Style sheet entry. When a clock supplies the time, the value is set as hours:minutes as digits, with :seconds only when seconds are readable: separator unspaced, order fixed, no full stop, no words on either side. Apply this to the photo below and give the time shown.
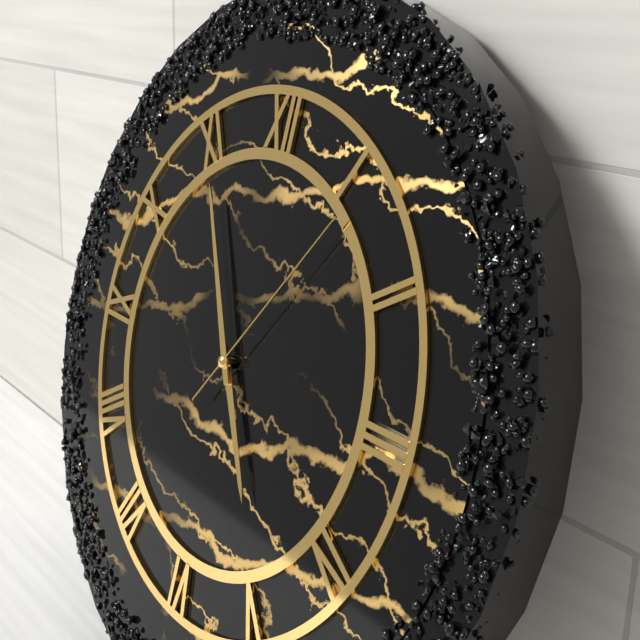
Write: 4:55:06
